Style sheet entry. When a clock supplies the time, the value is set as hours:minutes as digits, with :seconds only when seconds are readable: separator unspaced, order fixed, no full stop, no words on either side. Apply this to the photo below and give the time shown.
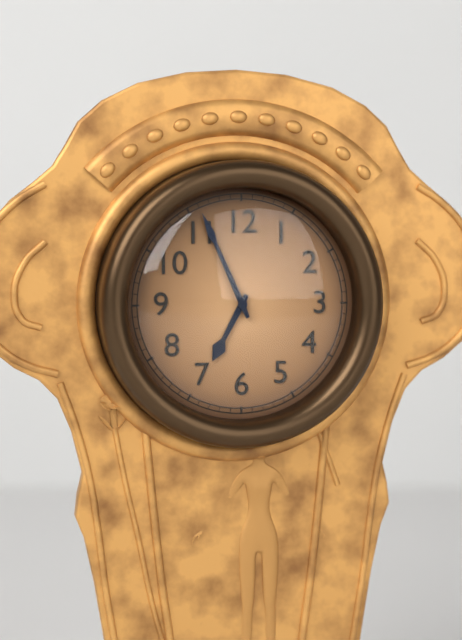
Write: 6:56
